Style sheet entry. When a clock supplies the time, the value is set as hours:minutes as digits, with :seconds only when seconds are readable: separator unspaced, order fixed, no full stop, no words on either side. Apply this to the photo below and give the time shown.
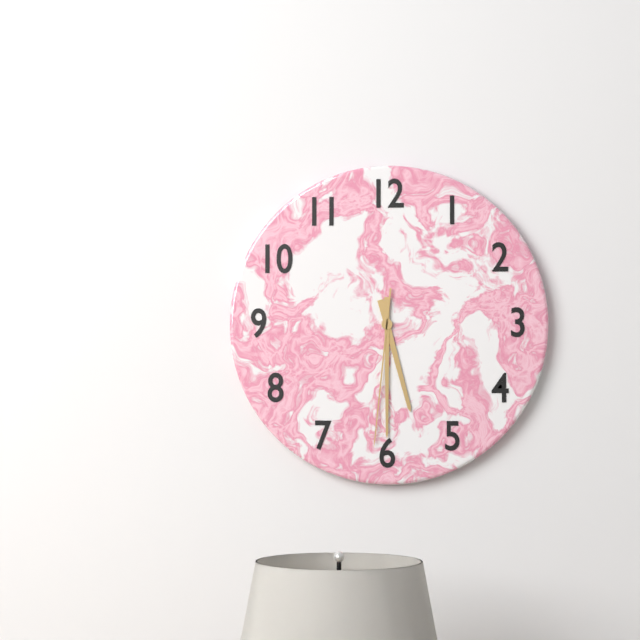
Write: 5:30:31
